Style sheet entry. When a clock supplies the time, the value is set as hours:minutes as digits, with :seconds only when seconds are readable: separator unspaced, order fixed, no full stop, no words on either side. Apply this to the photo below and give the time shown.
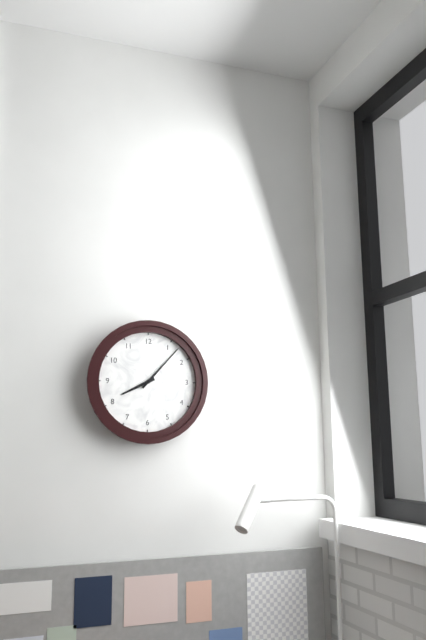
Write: 8:07
